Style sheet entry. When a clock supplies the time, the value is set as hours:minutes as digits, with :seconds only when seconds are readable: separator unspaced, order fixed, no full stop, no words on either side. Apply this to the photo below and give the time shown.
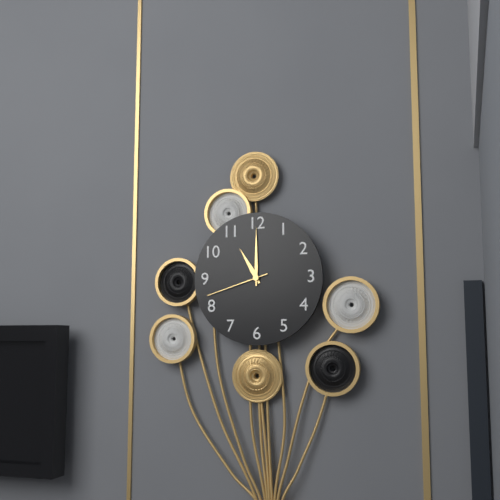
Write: 11:00:42
